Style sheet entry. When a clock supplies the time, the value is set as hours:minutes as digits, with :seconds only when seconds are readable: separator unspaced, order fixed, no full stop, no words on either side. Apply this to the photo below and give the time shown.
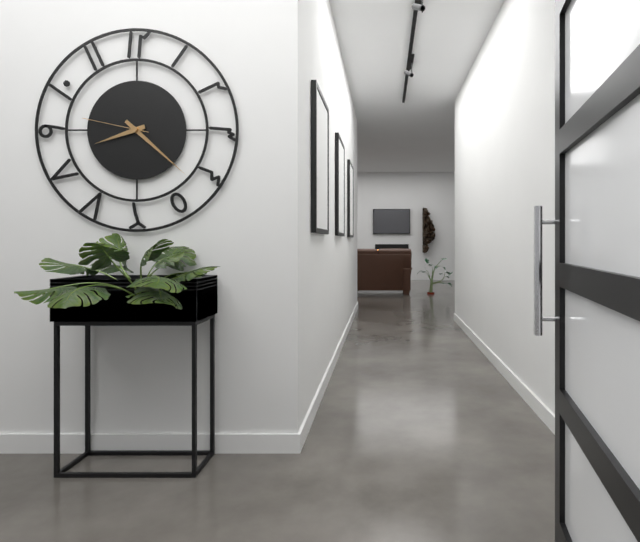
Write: 8:22:47
